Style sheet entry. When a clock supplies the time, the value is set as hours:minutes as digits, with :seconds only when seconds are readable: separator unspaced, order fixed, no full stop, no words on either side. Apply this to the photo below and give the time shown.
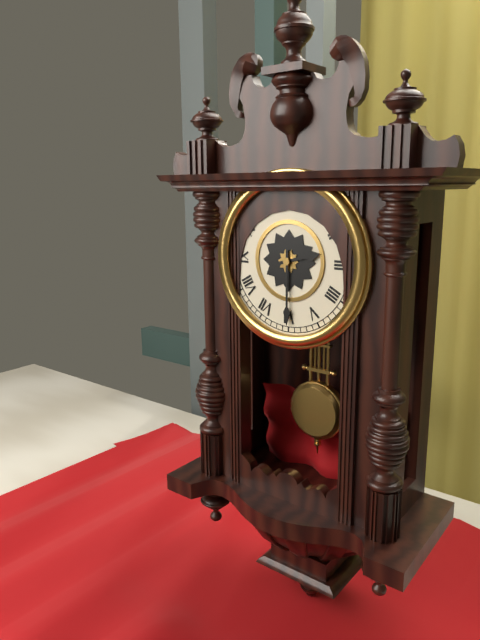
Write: 2:30
